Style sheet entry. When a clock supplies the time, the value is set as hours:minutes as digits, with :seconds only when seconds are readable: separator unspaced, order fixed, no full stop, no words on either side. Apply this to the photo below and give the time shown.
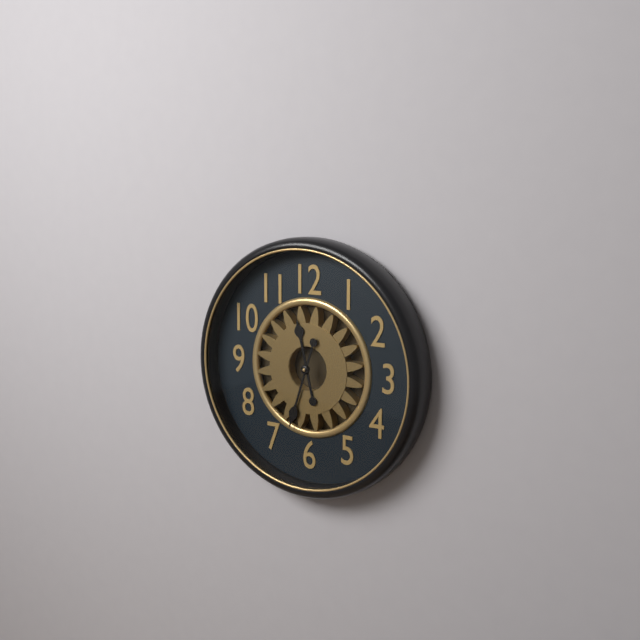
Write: 11:33
